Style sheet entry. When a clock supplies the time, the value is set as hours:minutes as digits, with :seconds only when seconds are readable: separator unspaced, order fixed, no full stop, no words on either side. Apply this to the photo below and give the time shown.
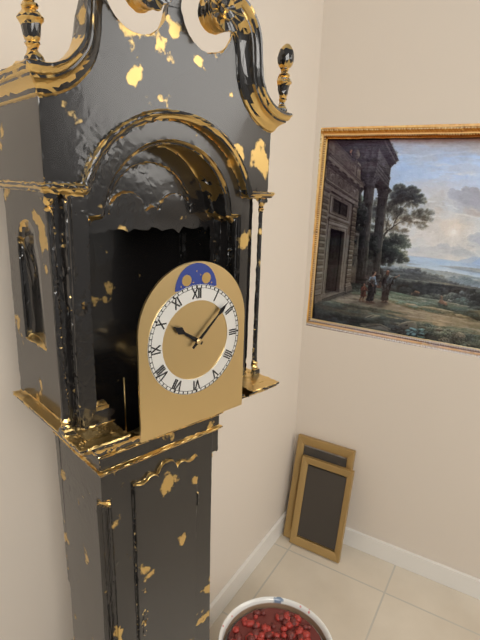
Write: 10:08
